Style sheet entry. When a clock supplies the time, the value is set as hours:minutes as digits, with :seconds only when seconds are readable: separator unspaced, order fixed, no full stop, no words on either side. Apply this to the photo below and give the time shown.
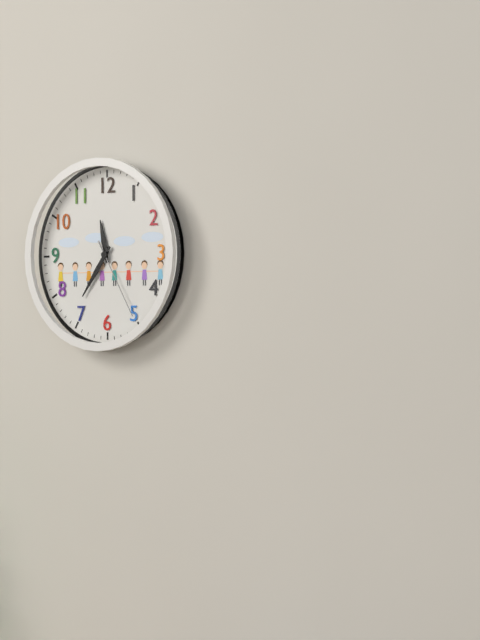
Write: 11:36:25
